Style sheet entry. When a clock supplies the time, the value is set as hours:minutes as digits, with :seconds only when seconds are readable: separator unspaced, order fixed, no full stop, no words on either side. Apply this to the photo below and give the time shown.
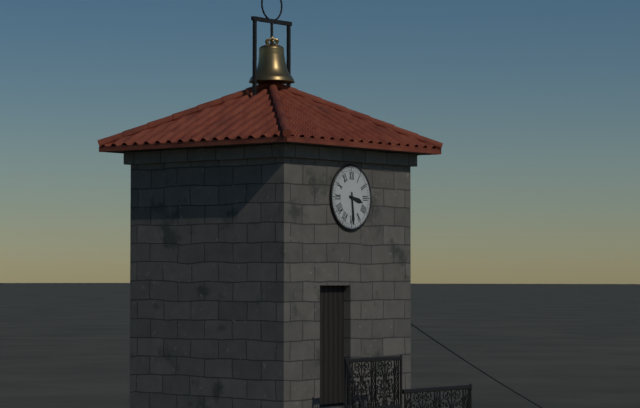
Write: 3:29
